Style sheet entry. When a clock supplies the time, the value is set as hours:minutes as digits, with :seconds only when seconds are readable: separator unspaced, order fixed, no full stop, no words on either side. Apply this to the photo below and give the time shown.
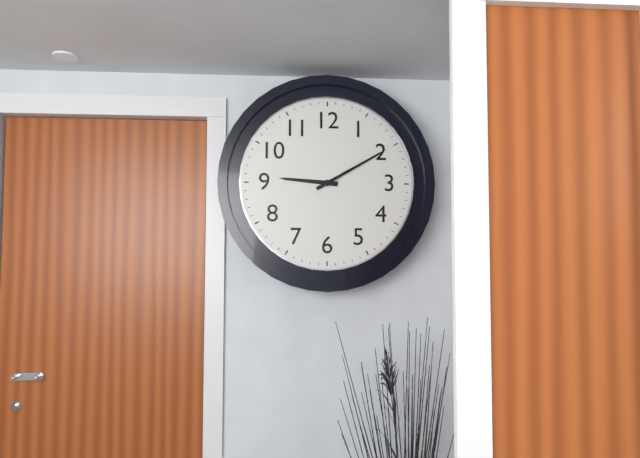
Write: 9:10
